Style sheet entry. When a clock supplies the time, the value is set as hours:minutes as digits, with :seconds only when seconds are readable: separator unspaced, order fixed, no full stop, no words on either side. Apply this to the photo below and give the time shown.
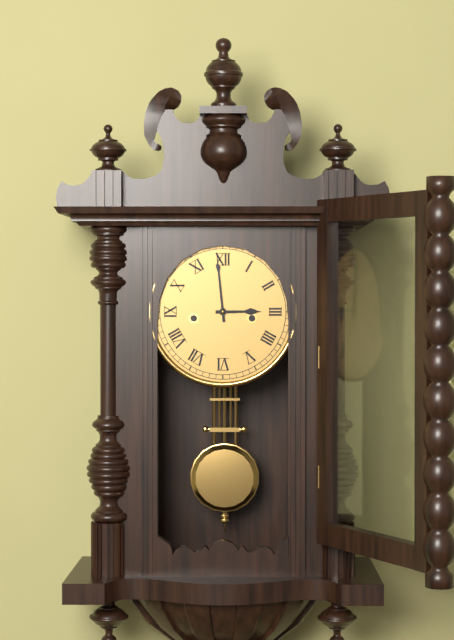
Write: 2:59
